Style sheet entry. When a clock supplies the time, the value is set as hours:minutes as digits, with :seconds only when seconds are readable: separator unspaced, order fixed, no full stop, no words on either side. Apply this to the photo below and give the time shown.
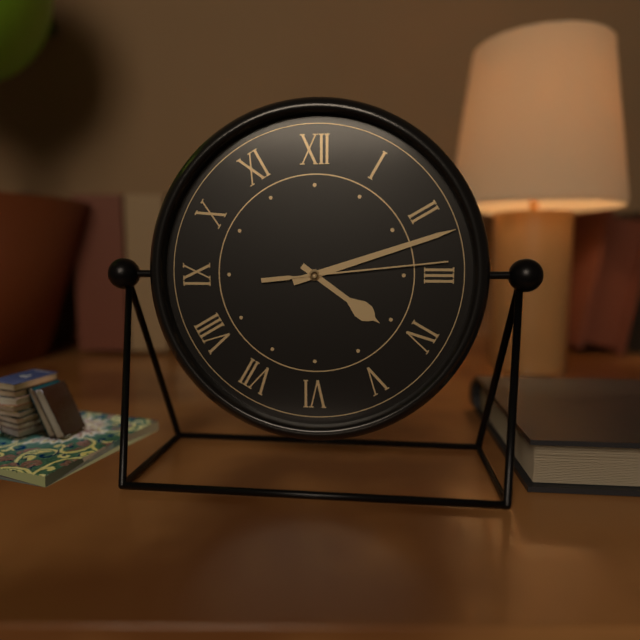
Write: 4:12:14
